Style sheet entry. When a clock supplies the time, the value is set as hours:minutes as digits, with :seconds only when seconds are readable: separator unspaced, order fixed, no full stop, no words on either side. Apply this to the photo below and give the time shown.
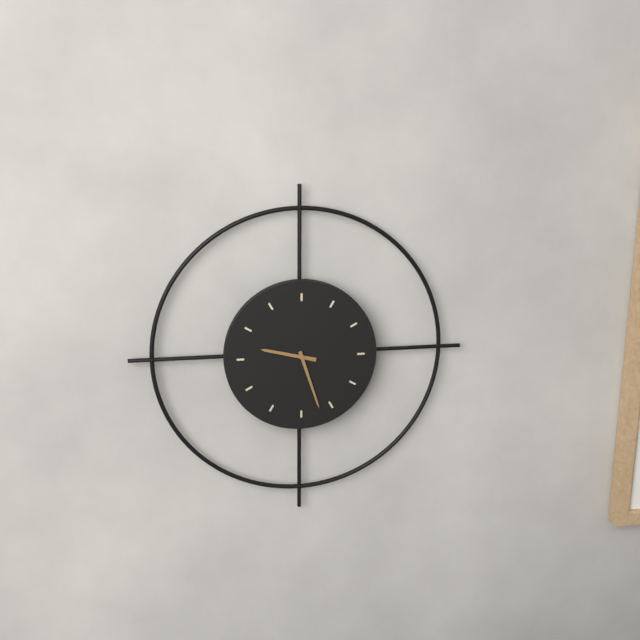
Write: 9:27
